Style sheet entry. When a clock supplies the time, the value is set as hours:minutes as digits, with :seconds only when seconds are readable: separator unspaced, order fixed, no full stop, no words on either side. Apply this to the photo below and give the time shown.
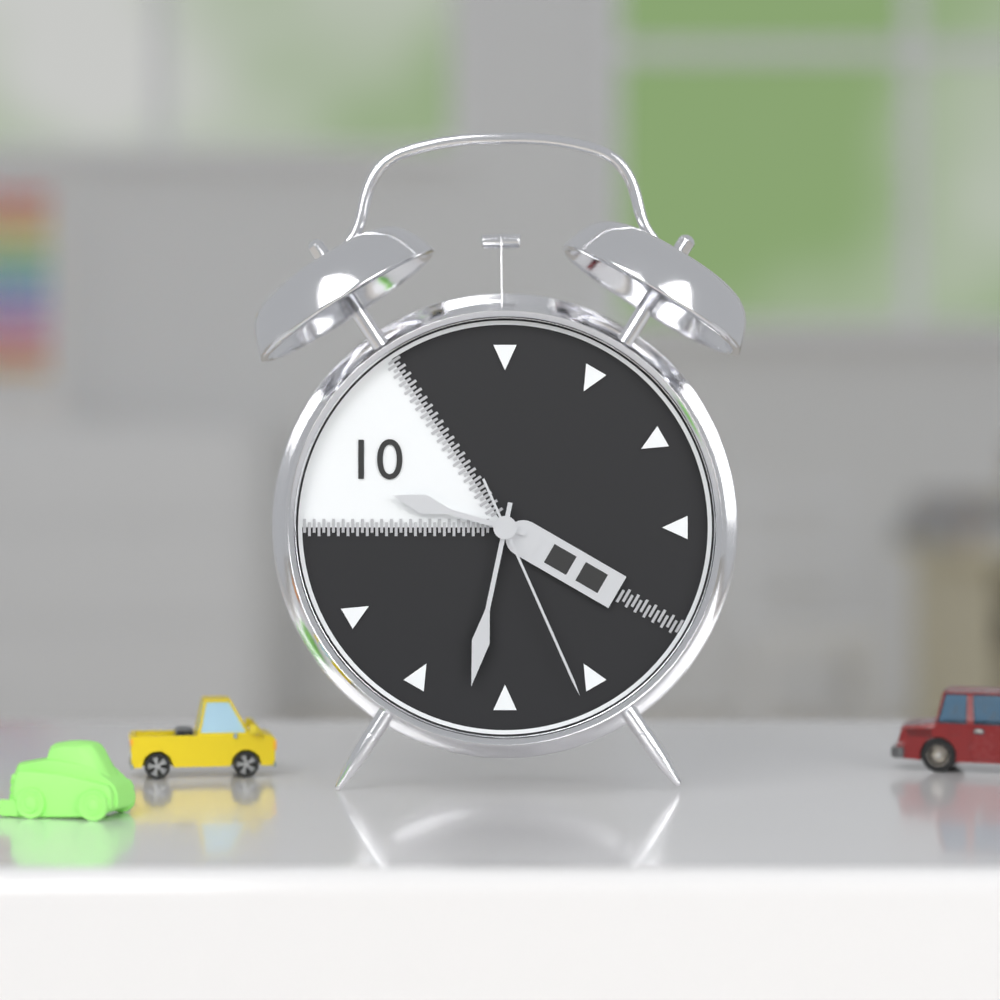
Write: 9:32:26
